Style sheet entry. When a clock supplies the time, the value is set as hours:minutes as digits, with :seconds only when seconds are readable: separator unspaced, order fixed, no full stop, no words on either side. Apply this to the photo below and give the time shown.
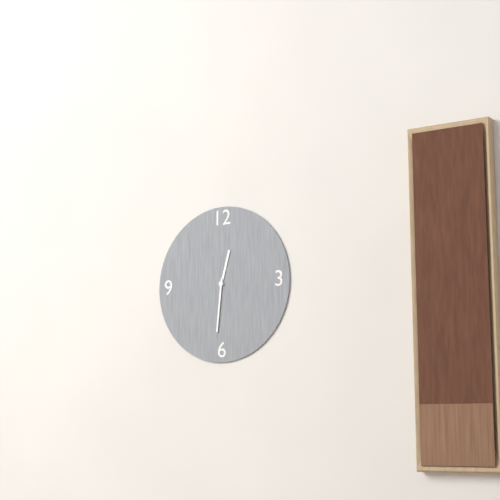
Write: 12:31
